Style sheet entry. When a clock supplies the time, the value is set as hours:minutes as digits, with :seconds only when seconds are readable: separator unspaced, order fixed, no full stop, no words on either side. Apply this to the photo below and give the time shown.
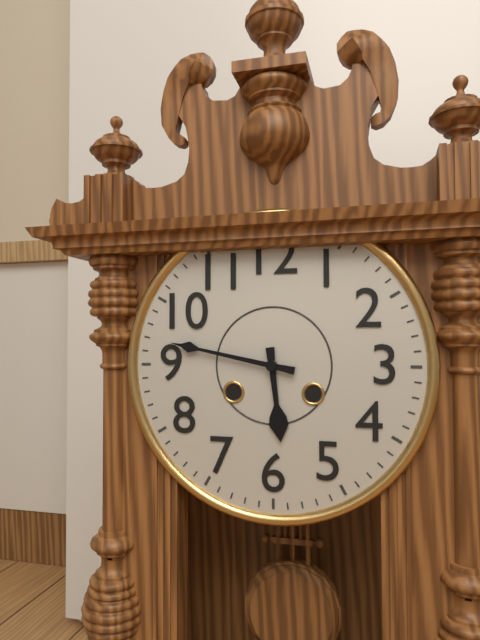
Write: 5:47
